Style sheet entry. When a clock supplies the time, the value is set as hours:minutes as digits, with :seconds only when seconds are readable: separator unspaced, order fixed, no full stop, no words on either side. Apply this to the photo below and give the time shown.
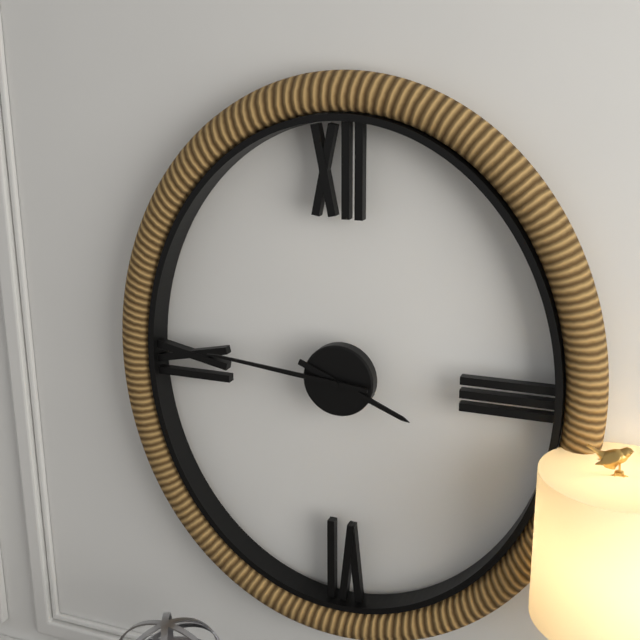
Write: 3:46
